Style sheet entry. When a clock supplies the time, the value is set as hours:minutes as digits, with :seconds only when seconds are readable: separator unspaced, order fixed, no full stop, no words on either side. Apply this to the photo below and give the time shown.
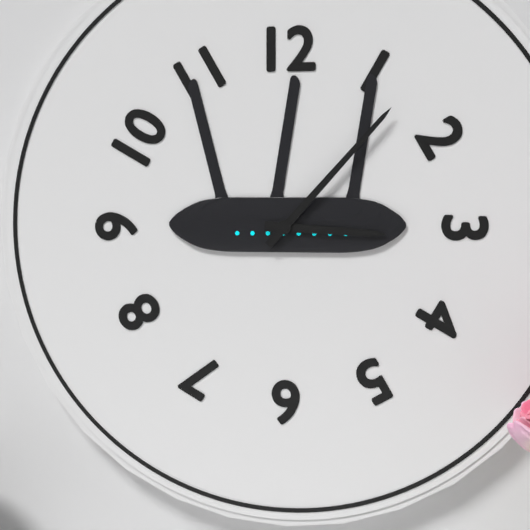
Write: 3:07
